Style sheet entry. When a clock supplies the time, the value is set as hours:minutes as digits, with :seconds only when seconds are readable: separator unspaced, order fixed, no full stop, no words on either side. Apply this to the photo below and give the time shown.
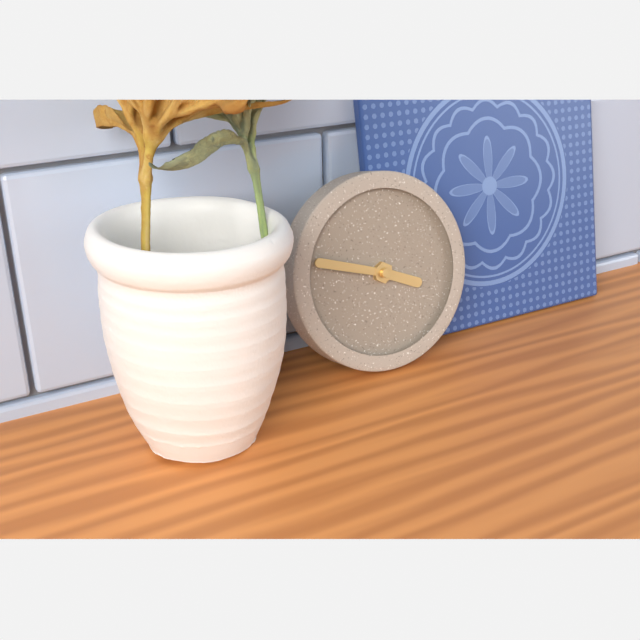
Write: 3:48
